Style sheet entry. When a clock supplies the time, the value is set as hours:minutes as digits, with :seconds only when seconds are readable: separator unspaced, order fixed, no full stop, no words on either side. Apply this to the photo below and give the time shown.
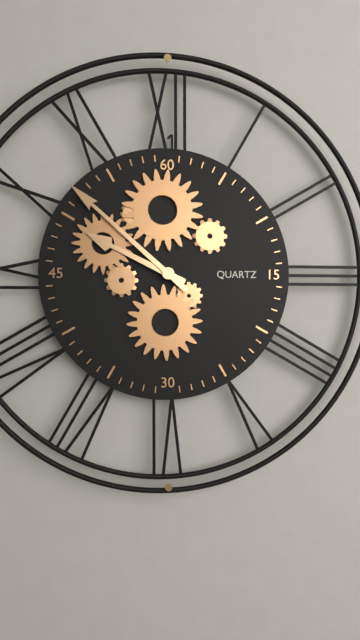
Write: 9:52
